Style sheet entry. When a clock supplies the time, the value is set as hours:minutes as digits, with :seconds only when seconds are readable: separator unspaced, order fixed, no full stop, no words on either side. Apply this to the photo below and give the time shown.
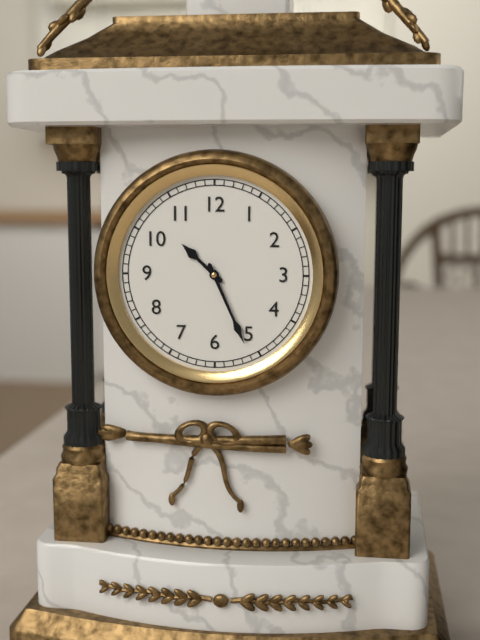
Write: 10:26
